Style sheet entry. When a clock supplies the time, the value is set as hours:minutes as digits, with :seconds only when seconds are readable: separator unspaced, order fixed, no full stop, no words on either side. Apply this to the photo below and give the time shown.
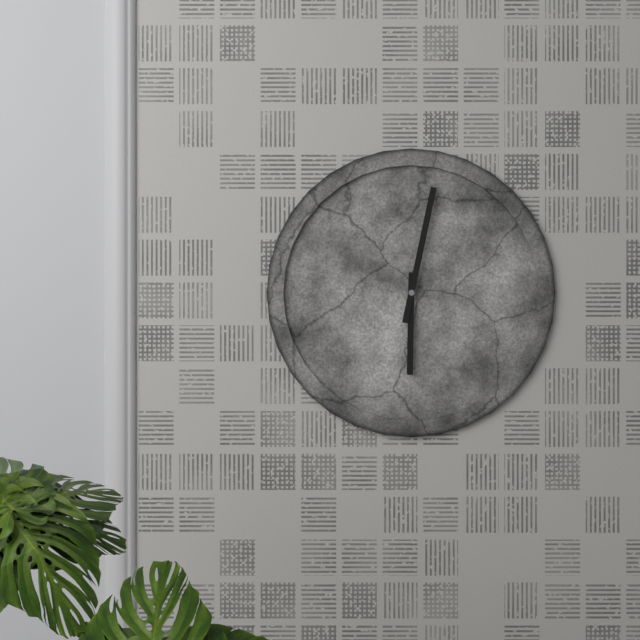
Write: 6:02
